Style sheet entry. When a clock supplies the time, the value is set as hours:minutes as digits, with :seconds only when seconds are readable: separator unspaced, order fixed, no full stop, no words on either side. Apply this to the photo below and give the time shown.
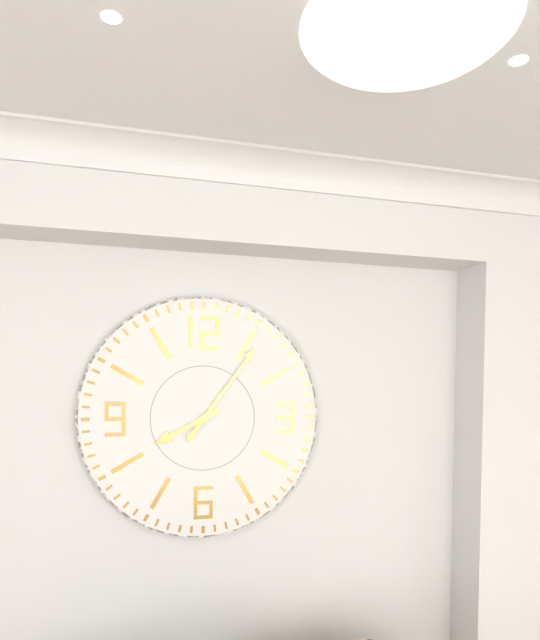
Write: 8:06
